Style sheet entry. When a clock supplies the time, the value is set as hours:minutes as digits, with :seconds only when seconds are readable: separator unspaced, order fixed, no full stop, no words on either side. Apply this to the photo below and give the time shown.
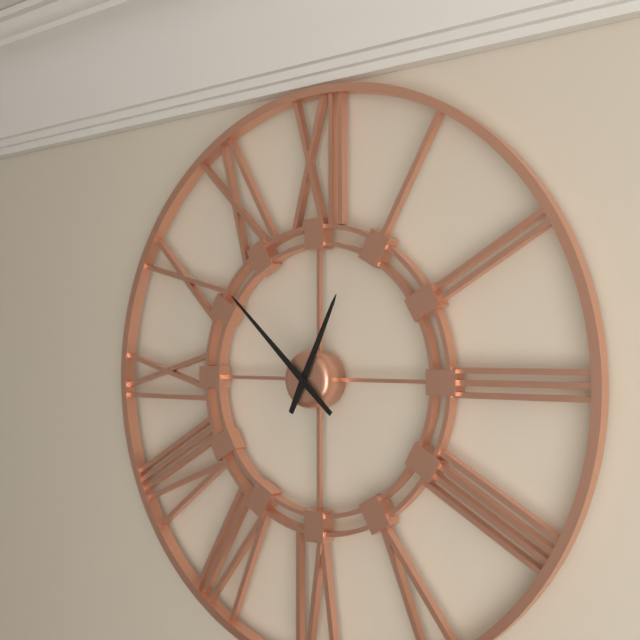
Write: 12:52
